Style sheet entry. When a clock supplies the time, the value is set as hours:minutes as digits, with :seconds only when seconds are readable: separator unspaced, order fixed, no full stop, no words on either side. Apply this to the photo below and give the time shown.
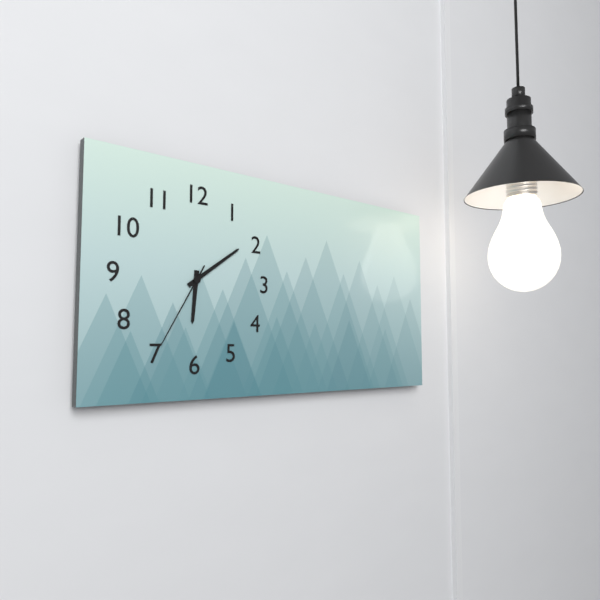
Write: 6:09:35
